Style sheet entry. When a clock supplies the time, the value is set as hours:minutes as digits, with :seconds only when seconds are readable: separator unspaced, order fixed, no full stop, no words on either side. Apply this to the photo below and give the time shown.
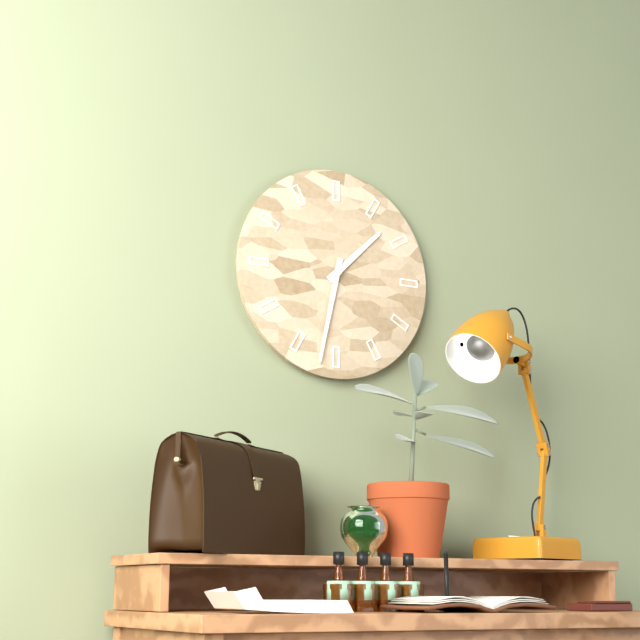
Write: 1:32
